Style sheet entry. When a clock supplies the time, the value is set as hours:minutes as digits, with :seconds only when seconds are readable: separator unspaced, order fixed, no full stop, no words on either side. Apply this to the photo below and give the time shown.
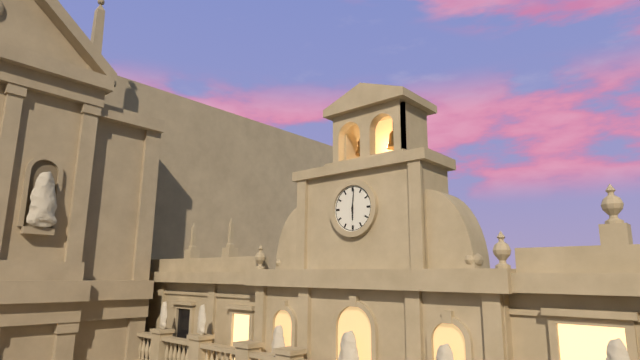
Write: 6:01
